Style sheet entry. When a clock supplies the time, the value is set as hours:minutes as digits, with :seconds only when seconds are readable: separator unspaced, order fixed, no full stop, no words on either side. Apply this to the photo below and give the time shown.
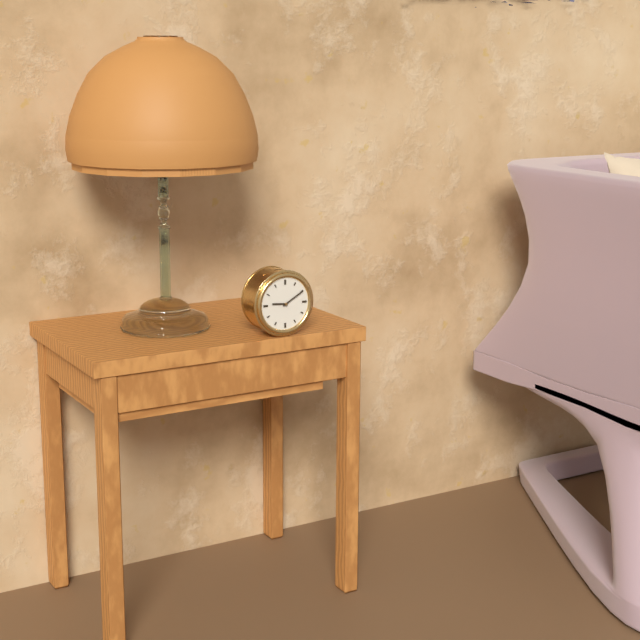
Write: 9:10
